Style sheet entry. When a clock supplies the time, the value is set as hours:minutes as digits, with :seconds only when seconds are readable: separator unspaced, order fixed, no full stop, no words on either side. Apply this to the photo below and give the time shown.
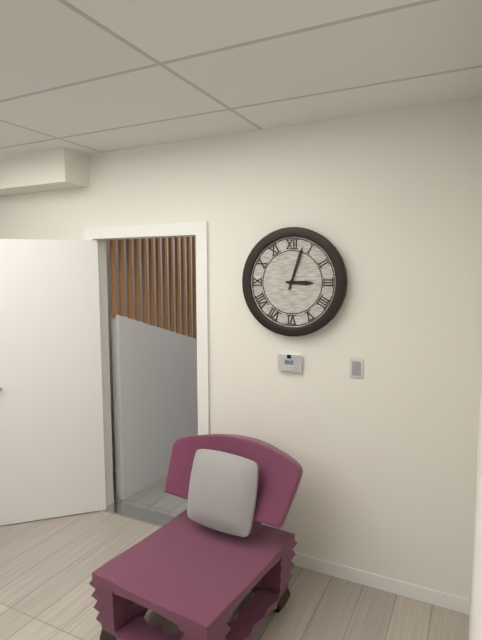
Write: 3:03
